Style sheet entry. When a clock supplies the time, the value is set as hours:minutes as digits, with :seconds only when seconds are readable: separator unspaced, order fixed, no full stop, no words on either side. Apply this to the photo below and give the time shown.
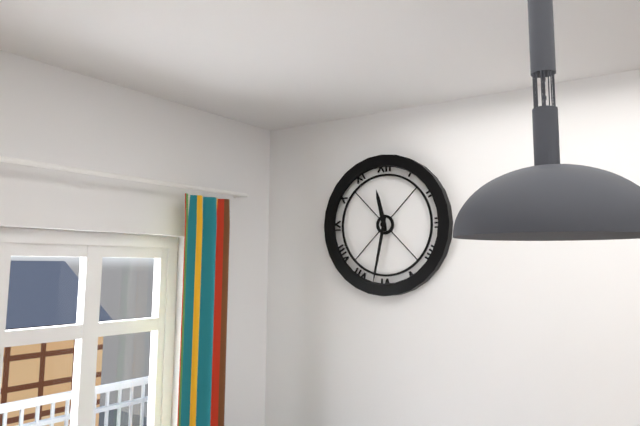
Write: 11:32
